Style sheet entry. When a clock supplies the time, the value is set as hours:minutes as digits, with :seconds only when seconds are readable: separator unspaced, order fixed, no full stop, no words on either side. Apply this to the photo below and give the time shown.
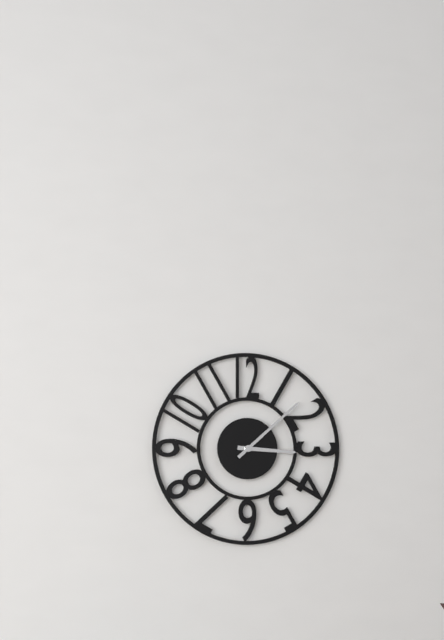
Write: 3:08
